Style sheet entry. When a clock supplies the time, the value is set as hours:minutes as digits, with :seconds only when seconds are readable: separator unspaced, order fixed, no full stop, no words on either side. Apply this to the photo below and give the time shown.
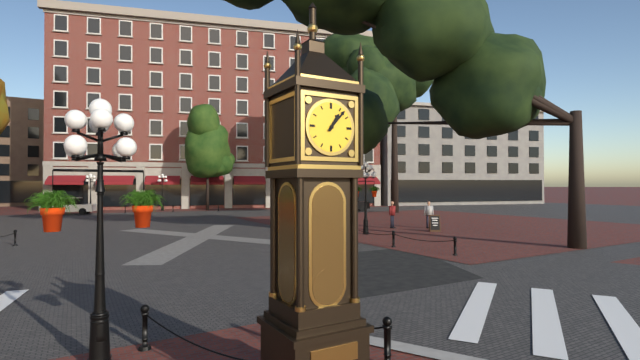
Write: 1:07
